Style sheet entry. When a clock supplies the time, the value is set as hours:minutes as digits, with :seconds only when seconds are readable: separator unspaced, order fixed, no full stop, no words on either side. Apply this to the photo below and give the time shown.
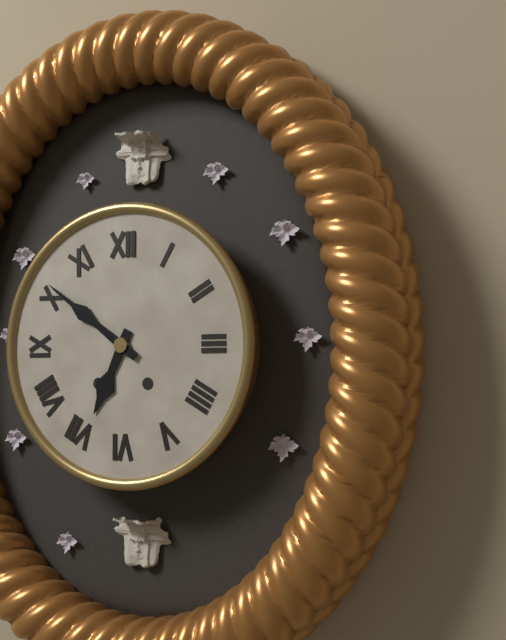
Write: 6:51
